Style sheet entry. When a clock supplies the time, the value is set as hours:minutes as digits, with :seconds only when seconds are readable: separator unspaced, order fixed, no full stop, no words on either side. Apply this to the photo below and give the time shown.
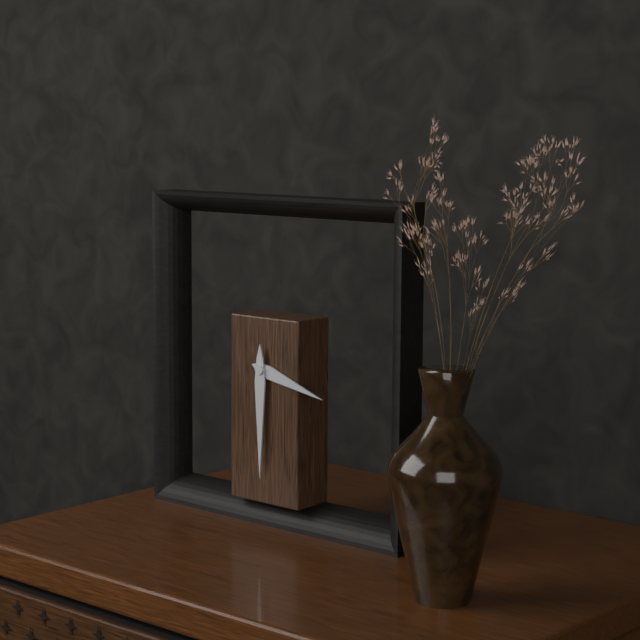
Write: 3:30
